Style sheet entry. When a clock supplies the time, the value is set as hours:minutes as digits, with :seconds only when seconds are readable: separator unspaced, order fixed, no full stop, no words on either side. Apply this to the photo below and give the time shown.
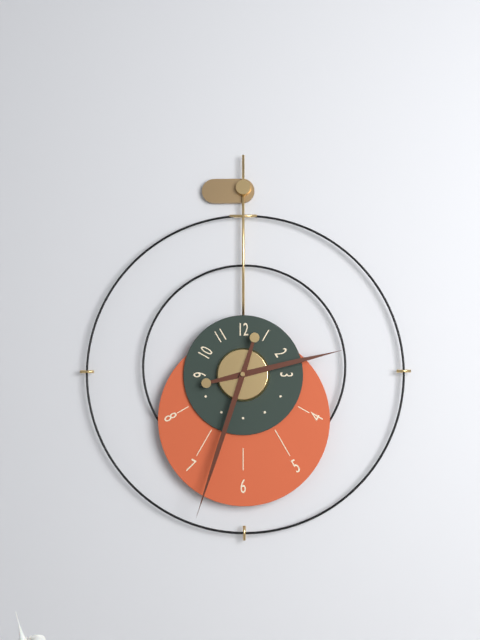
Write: 2:33
